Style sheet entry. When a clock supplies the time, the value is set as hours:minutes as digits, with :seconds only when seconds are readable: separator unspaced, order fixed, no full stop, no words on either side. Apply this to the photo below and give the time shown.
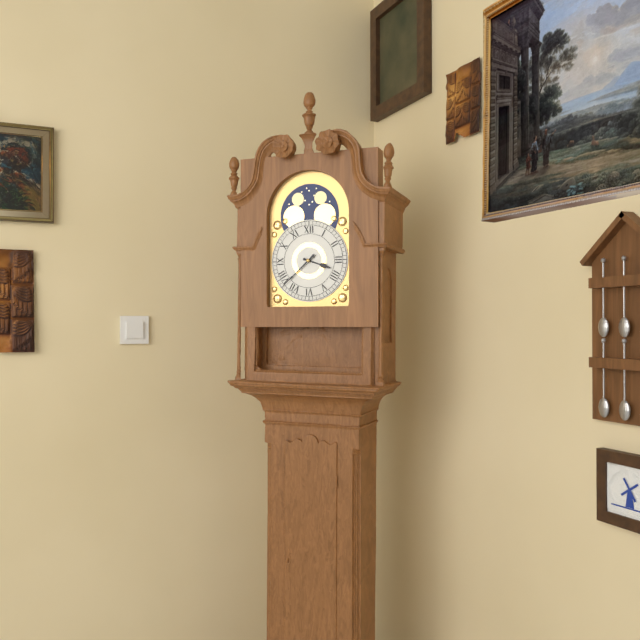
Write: 3:38
